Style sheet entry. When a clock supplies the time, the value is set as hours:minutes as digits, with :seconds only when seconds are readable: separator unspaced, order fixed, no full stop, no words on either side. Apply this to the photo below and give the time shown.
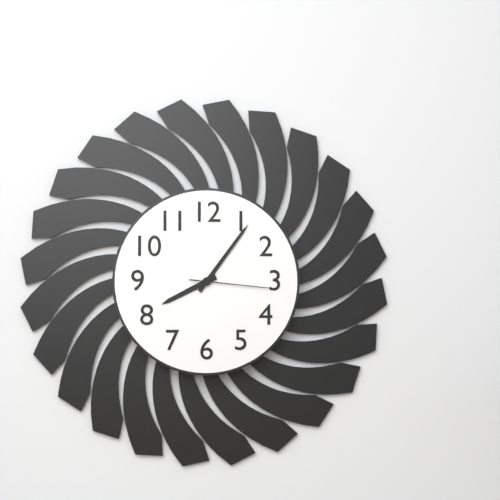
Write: 8:06:16
